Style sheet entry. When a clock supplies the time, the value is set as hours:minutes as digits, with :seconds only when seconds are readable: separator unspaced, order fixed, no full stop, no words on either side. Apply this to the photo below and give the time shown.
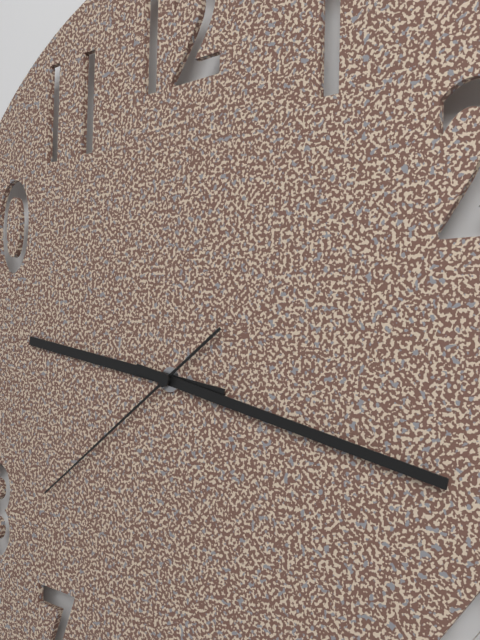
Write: 9:17:39
